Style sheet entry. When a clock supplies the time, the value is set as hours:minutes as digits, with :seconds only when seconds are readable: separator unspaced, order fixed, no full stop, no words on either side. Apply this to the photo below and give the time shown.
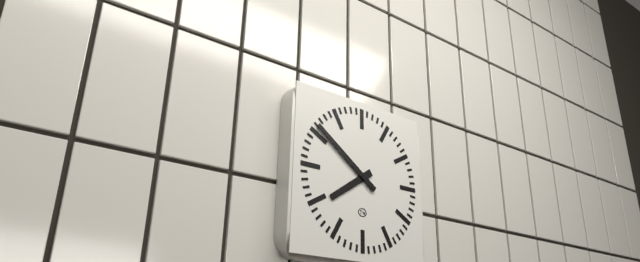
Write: 7:51
